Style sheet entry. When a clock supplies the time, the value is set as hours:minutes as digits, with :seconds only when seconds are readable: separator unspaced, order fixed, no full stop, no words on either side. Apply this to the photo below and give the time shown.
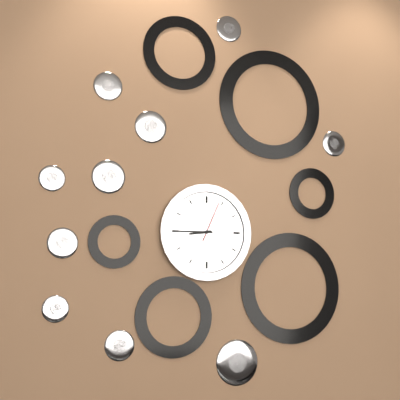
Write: 8:45
